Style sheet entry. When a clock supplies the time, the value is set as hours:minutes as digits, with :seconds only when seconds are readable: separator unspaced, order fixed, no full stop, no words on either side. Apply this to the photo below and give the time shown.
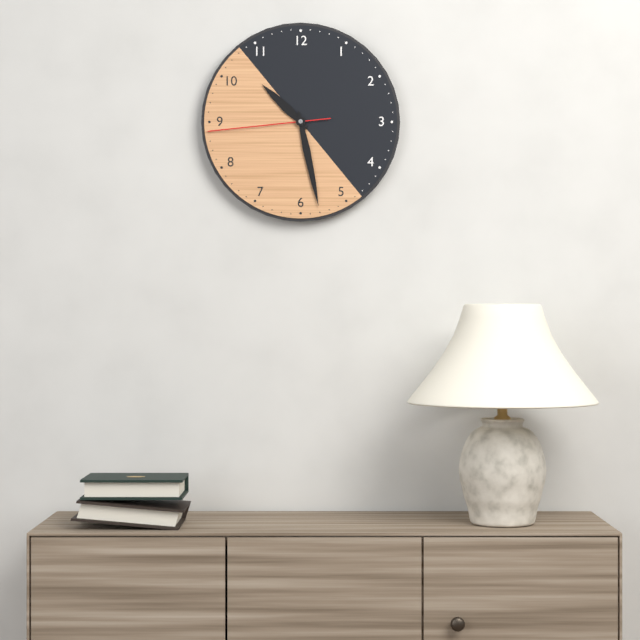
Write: 10:28:44
